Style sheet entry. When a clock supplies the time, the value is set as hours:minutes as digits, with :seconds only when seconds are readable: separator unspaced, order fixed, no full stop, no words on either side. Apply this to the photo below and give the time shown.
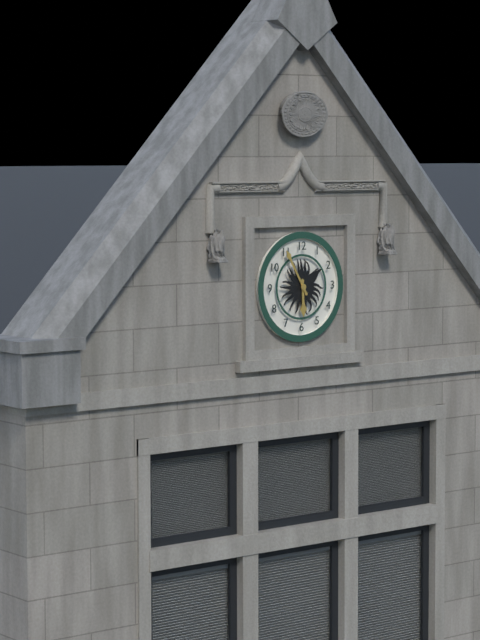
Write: 5:55
